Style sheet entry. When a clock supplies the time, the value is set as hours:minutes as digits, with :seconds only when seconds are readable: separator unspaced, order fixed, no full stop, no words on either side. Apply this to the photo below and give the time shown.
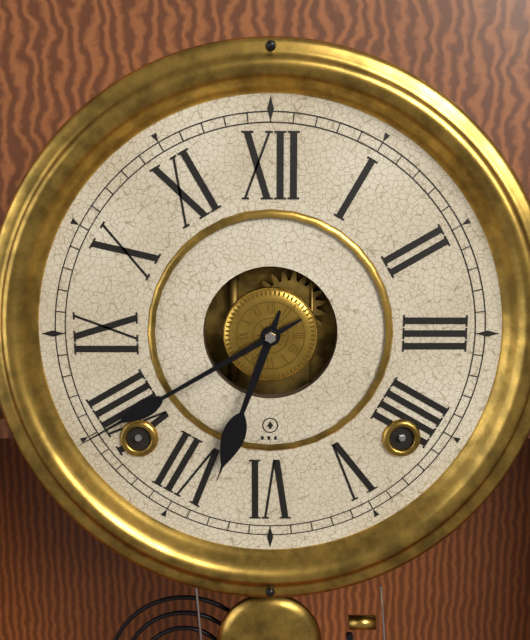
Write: 6:40
